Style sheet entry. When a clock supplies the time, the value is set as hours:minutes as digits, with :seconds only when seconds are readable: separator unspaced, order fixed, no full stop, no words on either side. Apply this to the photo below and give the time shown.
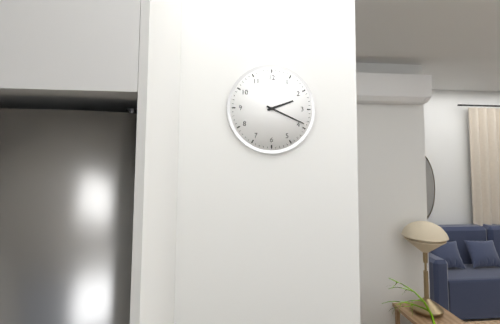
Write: 2:19
